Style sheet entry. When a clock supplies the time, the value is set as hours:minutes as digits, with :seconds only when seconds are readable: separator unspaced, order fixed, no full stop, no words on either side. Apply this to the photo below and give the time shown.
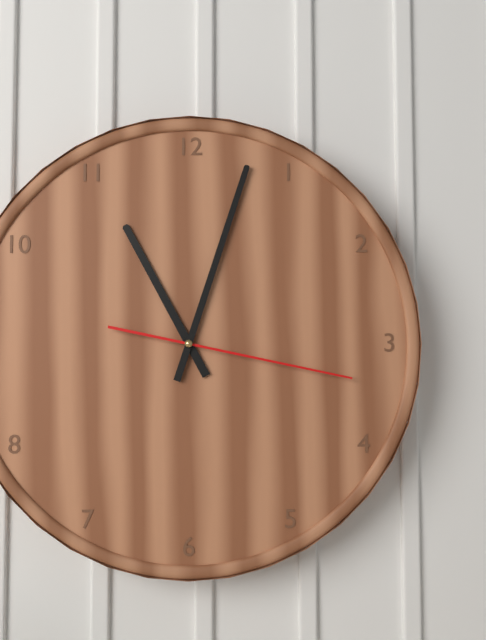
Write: 11:03:17
